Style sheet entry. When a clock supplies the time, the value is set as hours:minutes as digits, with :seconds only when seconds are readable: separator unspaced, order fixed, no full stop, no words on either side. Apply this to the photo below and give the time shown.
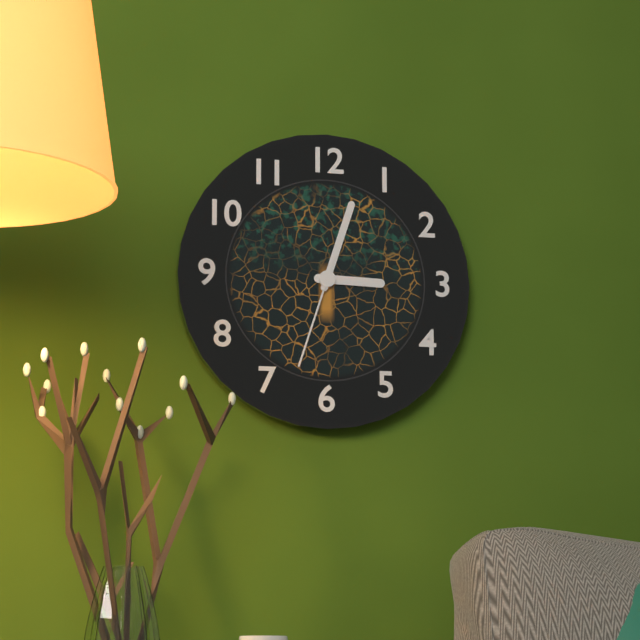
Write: 3:03:33
